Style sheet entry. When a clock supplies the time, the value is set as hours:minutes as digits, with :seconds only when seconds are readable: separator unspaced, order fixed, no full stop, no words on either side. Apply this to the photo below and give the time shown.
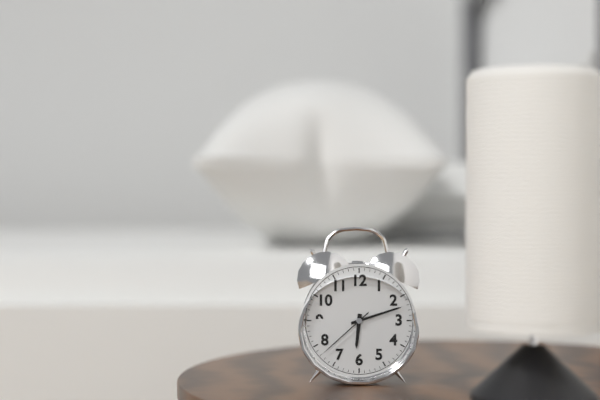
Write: 6:12:38
